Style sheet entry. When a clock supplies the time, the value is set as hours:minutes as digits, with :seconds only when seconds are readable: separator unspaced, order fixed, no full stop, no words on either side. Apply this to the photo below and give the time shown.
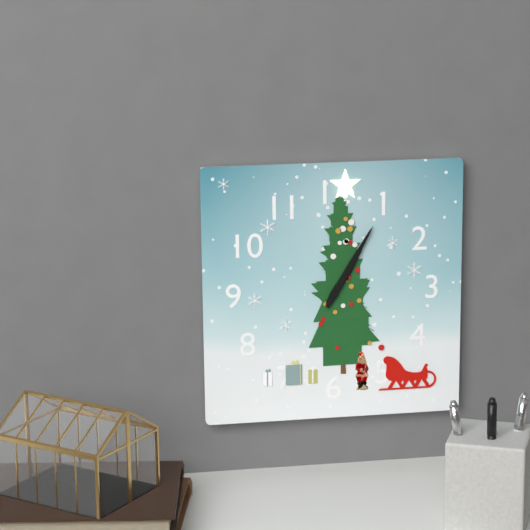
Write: 1:05
